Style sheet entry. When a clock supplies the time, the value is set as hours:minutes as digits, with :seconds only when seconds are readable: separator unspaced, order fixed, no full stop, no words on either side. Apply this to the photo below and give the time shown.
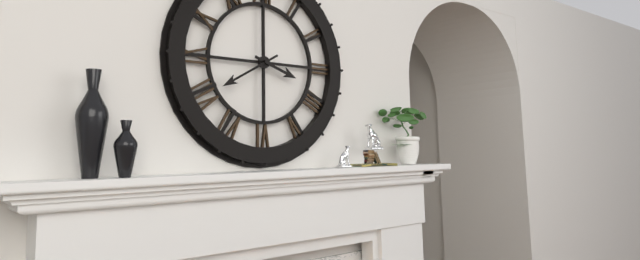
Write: 3:40
